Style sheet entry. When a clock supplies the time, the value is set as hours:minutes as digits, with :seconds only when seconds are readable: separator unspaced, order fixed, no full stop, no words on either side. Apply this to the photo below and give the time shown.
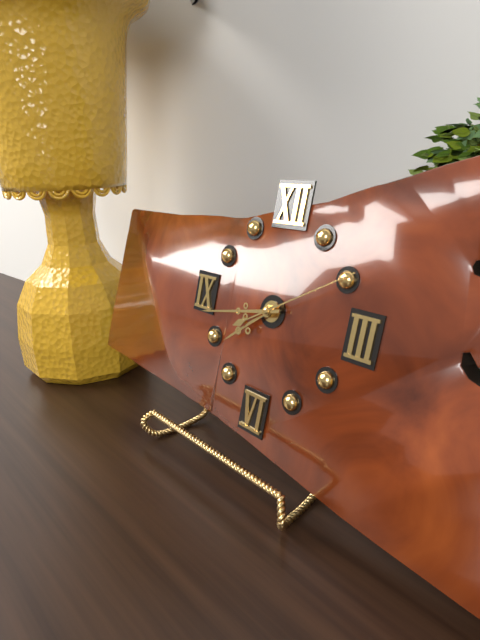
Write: 7:43:10
